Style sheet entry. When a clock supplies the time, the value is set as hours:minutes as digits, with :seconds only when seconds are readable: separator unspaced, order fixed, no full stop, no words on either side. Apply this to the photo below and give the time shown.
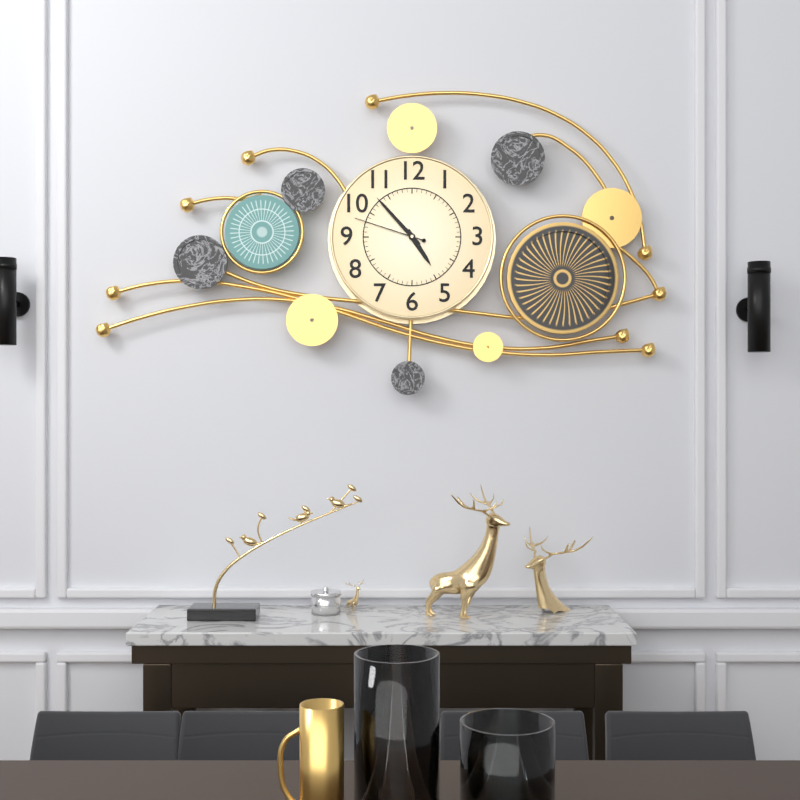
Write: 4:53:48
